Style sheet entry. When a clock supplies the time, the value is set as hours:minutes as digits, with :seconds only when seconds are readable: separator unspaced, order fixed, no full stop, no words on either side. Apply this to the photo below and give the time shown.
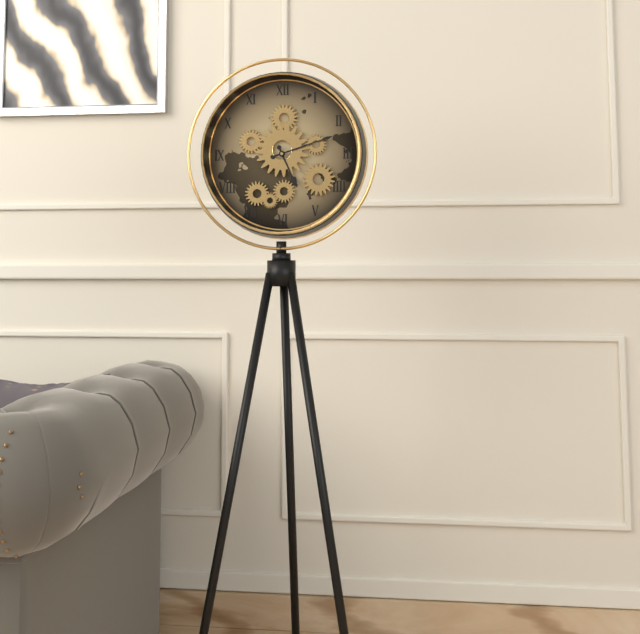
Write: 5:12
